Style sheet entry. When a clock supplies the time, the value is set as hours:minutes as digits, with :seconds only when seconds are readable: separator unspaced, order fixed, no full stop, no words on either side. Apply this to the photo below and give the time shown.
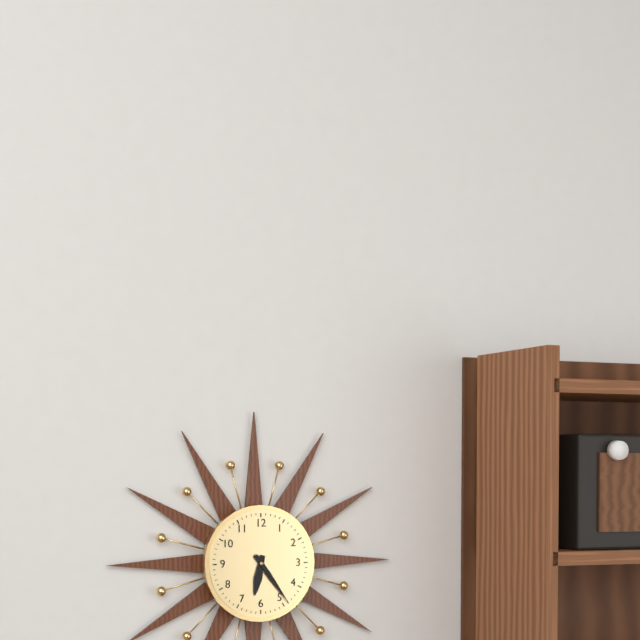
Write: 6:24
